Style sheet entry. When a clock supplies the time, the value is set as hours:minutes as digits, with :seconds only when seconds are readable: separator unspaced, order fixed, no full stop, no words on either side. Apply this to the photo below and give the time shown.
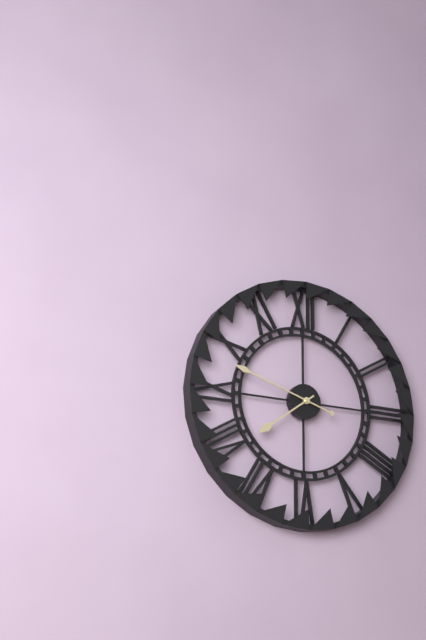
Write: 7:48
